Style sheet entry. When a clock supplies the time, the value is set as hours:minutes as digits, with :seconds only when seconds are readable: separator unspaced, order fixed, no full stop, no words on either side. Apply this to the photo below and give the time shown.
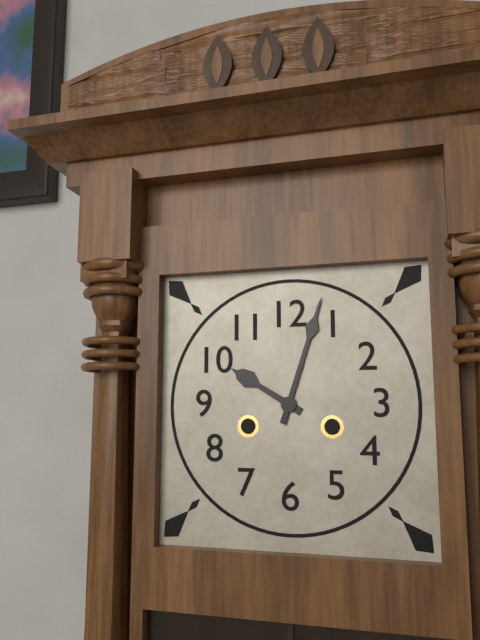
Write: 10:03
